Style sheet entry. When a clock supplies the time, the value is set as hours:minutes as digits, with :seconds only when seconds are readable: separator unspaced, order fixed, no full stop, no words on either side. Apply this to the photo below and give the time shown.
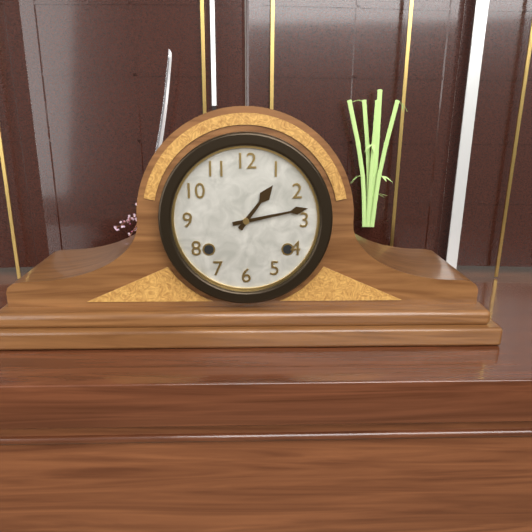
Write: 1:13
